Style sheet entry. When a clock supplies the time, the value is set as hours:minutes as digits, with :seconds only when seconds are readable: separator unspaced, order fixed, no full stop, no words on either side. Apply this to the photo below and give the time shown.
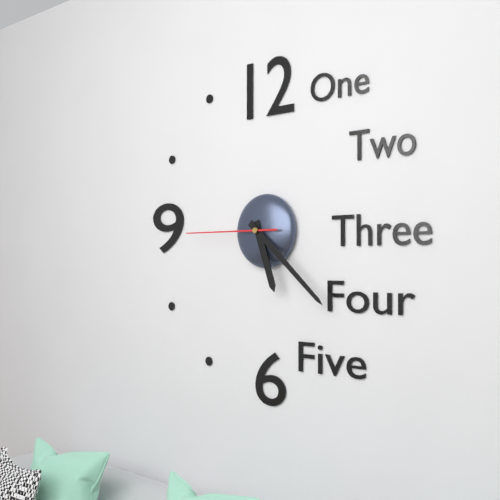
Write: 5:22:45
